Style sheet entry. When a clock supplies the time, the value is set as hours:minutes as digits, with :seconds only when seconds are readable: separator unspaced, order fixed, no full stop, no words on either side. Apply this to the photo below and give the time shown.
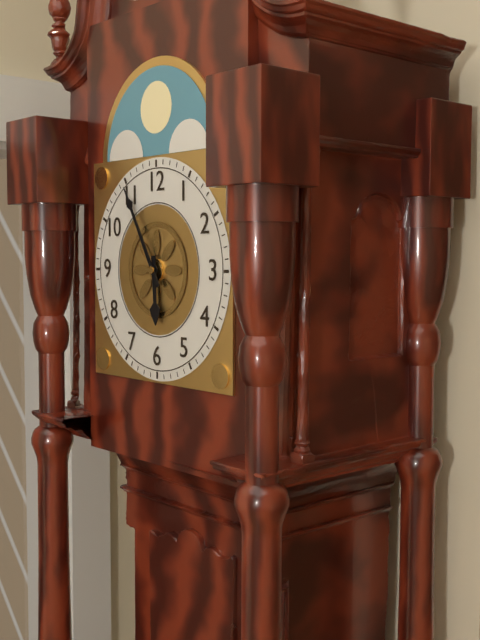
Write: 5:55
